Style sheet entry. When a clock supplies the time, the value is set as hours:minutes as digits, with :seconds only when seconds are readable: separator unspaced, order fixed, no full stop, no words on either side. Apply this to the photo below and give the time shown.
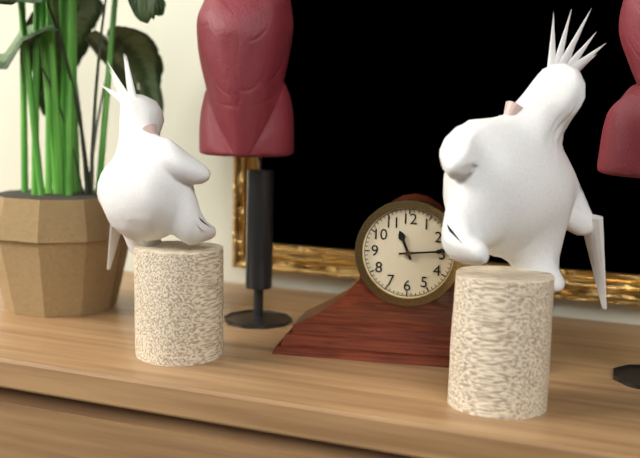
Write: 11:14
